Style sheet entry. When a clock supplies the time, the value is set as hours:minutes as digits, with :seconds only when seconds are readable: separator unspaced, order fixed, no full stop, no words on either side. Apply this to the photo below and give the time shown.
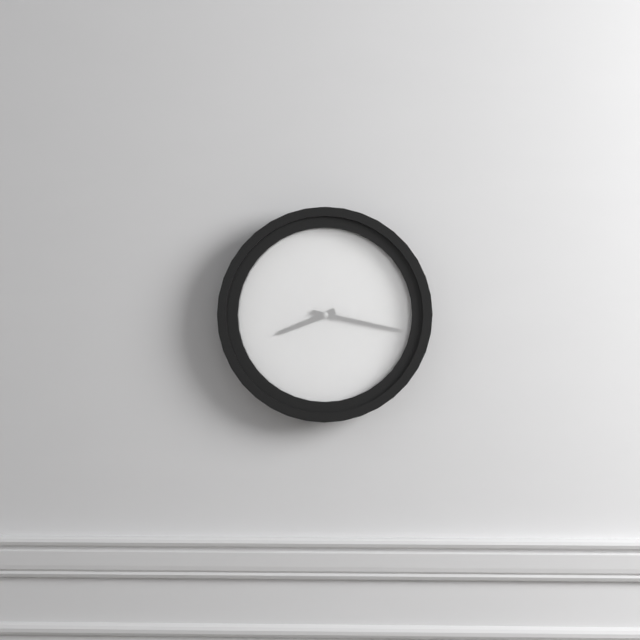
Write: 8:17
